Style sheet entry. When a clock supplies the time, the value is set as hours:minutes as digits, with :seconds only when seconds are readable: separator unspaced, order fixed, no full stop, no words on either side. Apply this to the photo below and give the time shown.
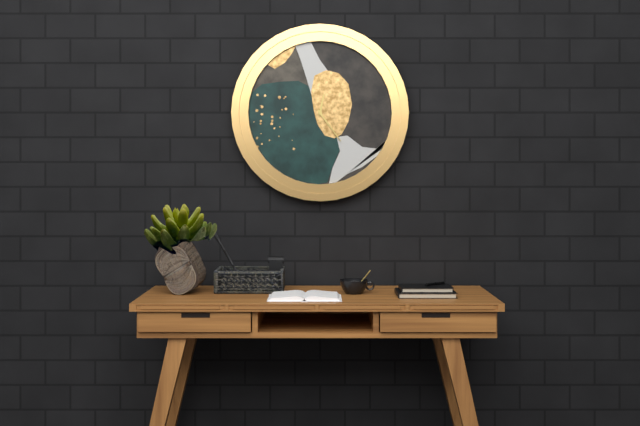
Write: 12:24
